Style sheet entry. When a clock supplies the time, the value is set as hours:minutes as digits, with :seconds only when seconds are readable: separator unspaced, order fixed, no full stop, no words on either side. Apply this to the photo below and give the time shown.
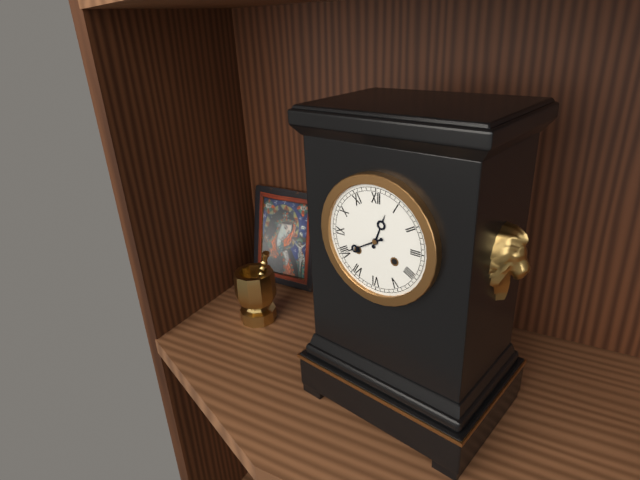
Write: 12:40
